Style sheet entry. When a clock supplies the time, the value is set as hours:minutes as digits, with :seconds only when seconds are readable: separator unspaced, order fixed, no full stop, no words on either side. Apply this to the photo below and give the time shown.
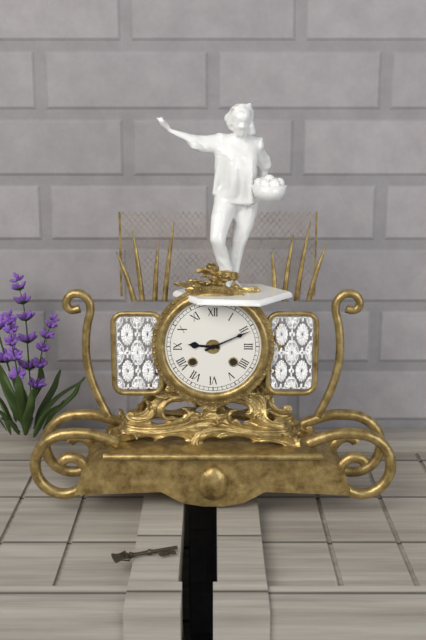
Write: 9:11
